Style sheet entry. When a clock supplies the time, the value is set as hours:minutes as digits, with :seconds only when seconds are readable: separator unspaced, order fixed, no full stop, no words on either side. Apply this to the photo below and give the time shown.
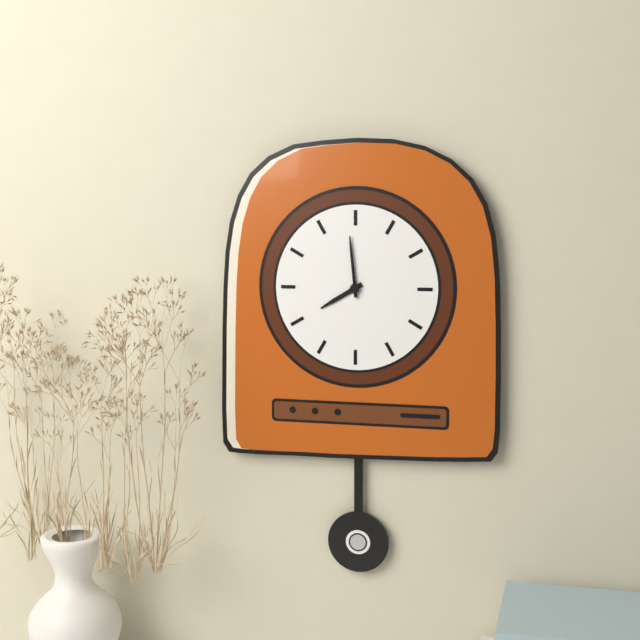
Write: 7:59
